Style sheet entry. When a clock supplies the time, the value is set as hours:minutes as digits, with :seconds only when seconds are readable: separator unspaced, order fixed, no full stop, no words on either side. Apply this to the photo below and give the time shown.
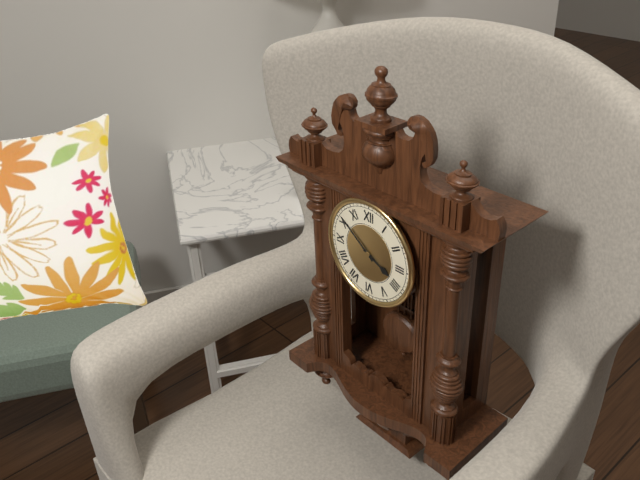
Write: 3:51
